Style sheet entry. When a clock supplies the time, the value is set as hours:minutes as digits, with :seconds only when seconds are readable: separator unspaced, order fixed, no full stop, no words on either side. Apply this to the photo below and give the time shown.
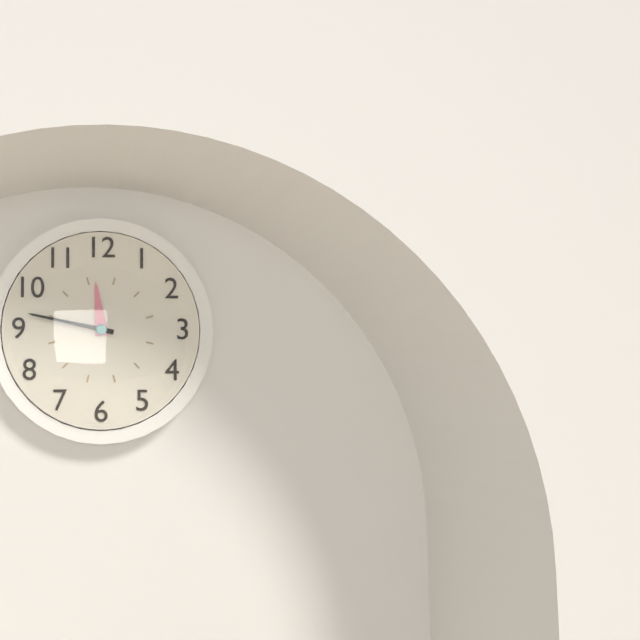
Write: 11:47
